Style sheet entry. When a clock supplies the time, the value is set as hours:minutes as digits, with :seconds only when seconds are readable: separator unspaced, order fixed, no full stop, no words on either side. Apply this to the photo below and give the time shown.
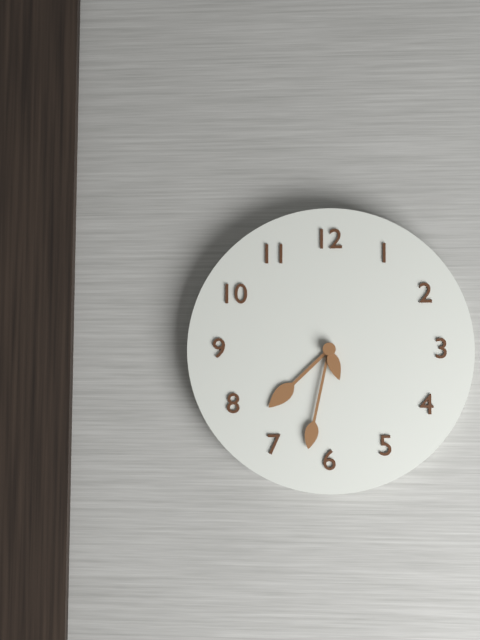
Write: 7:32
